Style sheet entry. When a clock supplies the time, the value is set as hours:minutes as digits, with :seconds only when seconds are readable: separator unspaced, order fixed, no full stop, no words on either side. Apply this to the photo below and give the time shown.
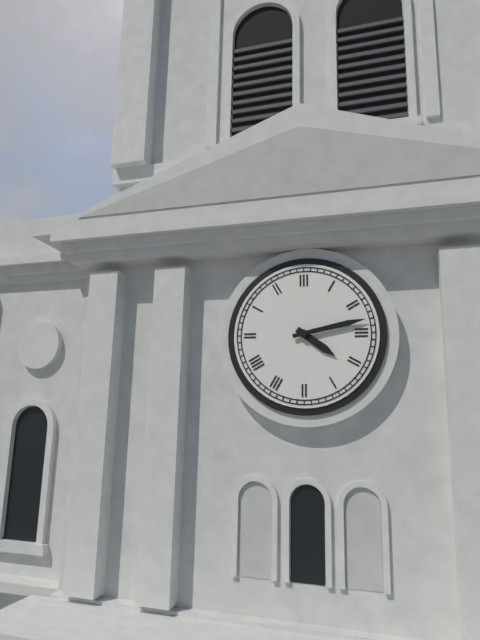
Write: 4:13
